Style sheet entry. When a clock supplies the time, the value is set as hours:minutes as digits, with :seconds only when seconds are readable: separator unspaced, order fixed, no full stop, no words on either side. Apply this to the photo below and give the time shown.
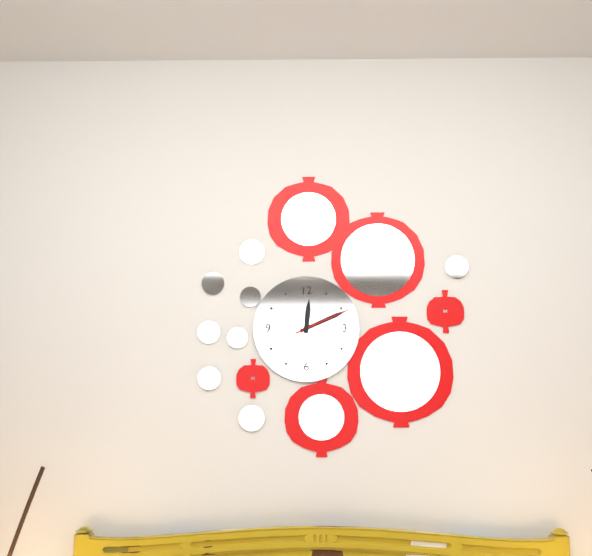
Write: 12:11:11
